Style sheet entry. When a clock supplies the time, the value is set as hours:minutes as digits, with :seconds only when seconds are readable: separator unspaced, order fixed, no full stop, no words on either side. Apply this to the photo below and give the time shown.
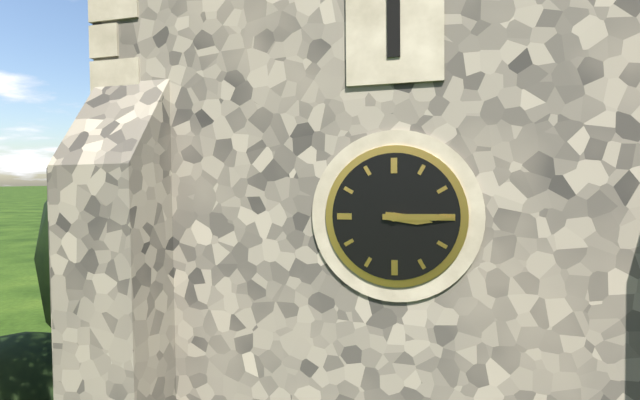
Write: 3:15
